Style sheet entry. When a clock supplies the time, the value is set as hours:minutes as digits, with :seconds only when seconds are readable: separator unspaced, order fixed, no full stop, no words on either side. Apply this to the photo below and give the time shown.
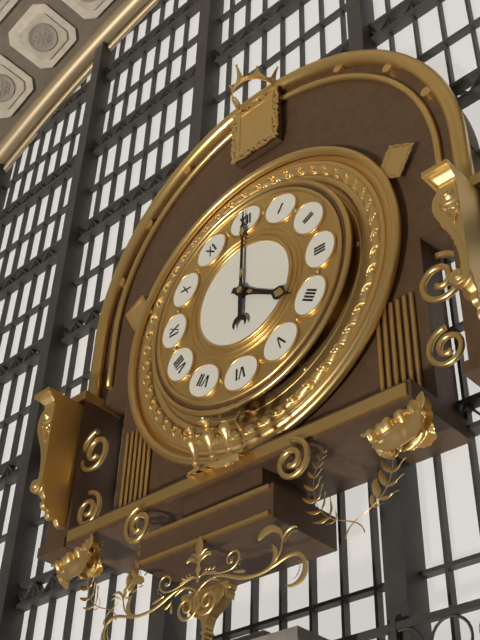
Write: 4:00
